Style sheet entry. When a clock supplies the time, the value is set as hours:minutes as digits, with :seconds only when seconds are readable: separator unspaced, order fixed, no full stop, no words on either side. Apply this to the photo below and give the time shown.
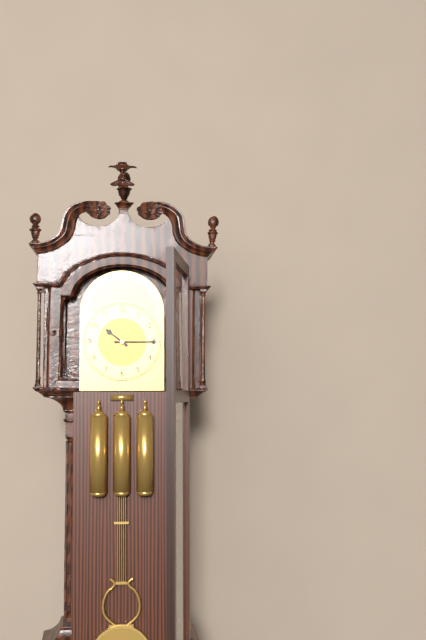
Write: 10:15
